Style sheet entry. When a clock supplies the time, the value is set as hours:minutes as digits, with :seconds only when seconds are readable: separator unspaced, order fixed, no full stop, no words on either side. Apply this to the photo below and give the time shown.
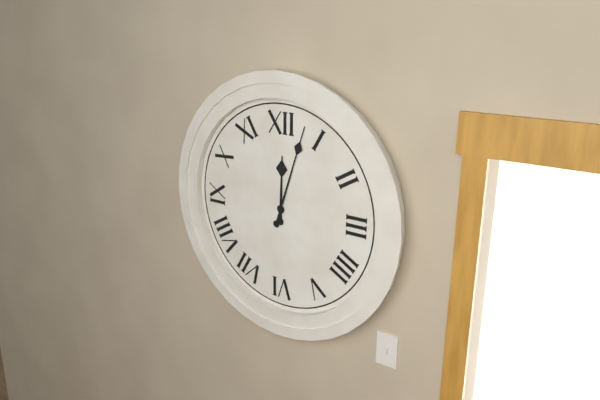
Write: 12:03
